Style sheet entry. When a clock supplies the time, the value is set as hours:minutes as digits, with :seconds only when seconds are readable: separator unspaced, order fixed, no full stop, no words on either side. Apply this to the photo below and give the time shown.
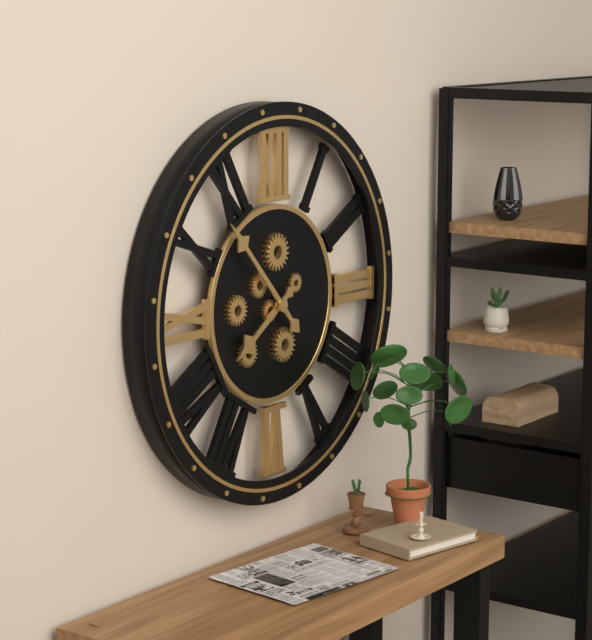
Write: 7:53
